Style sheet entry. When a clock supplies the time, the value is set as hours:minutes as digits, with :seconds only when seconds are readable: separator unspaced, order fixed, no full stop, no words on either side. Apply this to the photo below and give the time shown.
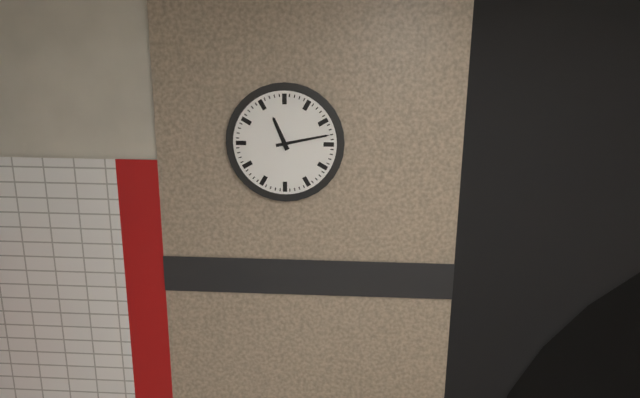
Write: 11:13
